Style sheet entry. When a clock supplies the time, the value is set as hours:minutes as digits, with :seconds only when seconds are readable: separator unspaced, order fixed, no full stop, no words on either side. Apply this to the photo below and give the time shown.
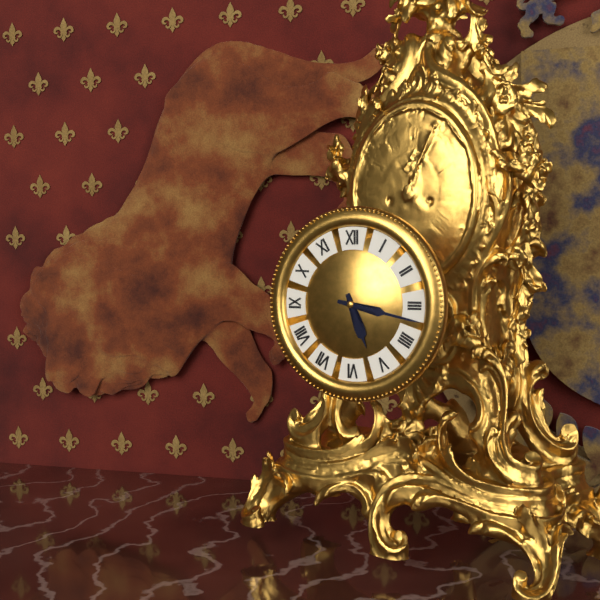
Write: 5:17
